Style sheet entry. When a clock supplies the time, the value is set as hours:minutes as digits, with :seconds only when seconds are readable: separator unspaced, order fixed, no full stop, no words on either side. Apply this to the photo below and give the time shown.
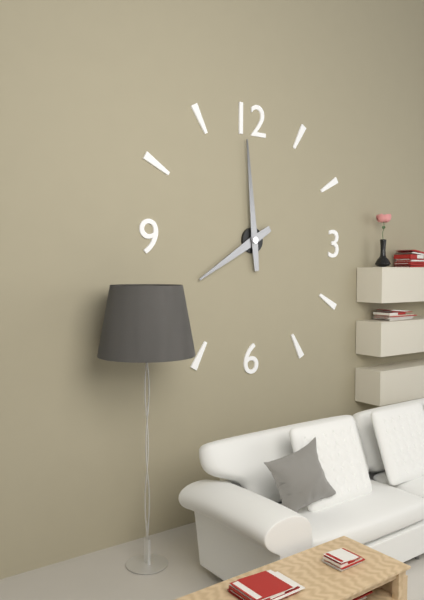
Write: 7:59
